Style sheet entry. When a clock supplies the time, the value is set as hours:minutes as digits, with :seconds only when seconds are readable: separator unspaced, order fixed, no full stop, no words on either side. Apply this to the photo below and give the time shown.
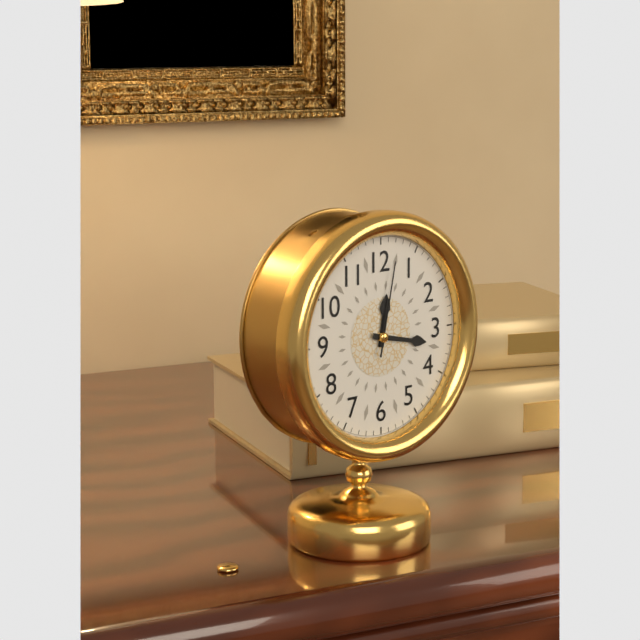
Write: 12:17:02
